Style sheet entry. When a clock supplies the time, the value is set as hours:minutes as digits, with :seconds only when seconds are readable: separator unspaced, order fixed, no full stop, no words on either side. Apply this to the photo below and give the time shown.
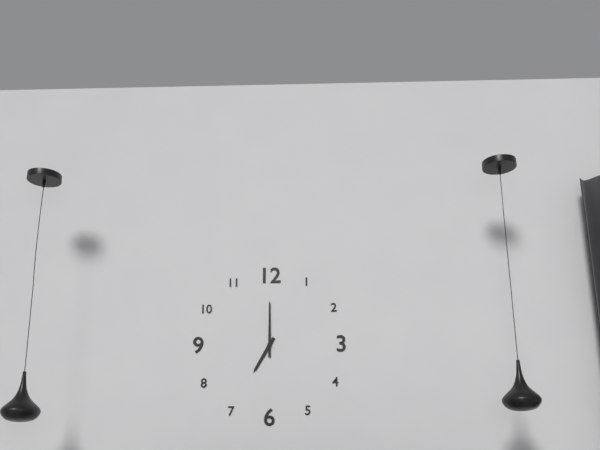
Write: 7:00
